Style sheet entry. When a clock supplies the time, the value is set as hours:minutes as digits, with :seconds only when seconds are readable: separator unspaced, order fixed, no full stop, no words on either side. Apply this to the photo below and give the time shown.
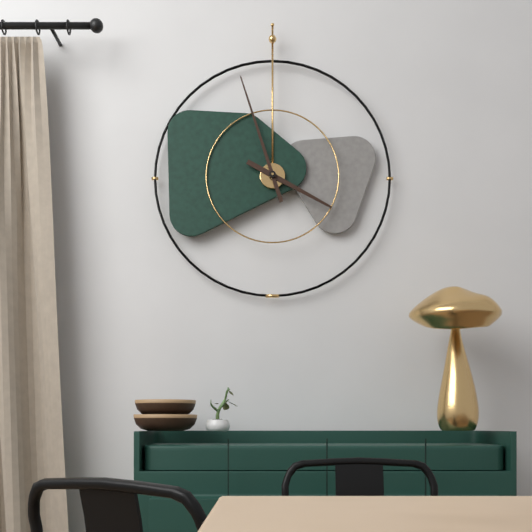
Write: 3:57
